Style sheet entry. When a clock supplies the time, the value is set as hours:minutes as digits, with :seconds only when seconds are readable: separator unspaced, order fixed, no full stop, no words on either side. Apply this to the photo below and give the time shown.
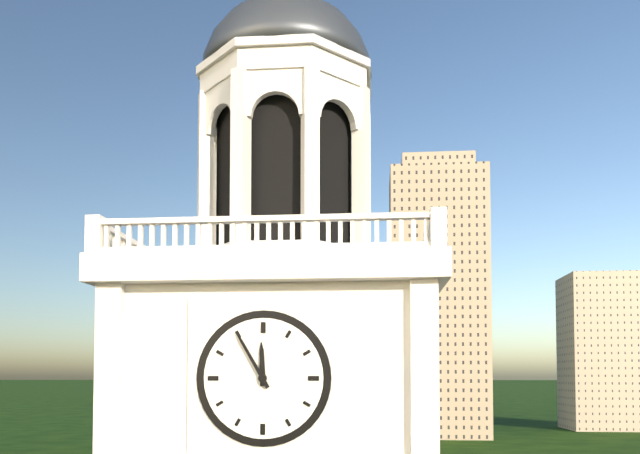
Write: 11:55
